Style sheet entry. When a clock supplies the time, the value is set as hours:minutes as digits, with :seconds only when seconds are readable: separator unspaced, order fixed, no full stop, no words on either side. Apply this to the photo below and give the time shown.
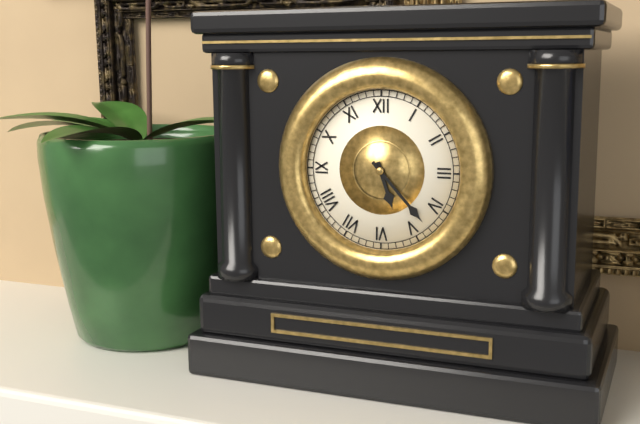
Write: 5:23
